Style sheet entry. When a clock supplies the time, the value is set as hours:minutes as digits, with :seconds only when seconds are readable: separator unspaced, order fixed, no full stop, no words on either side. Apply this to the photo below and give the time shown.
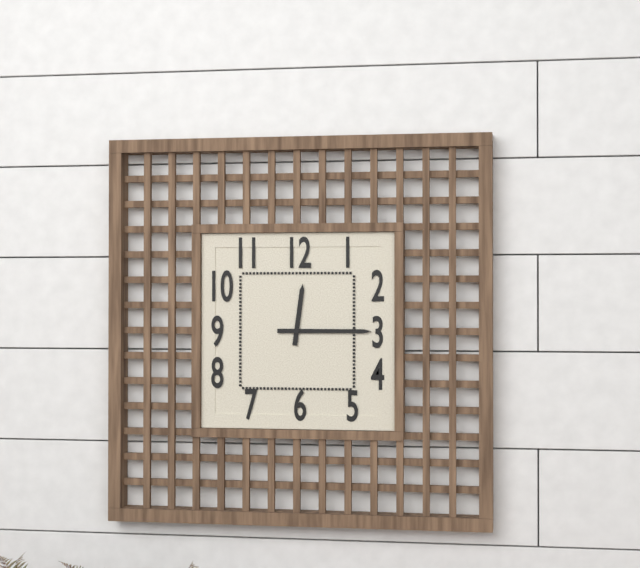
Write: 12:15
